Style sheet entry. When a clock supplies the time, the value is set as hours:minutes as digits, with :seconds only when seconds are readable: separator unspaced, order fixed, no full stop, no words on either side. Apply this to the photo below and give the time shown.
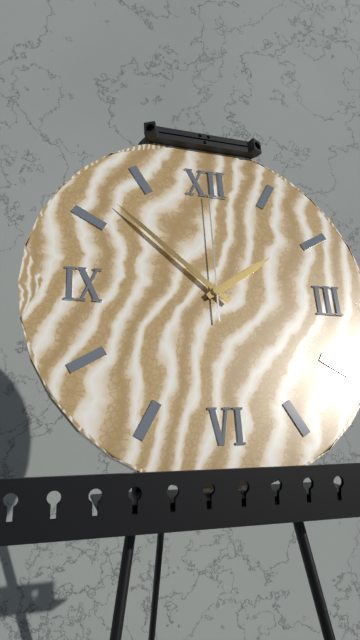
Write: 1:52:00
